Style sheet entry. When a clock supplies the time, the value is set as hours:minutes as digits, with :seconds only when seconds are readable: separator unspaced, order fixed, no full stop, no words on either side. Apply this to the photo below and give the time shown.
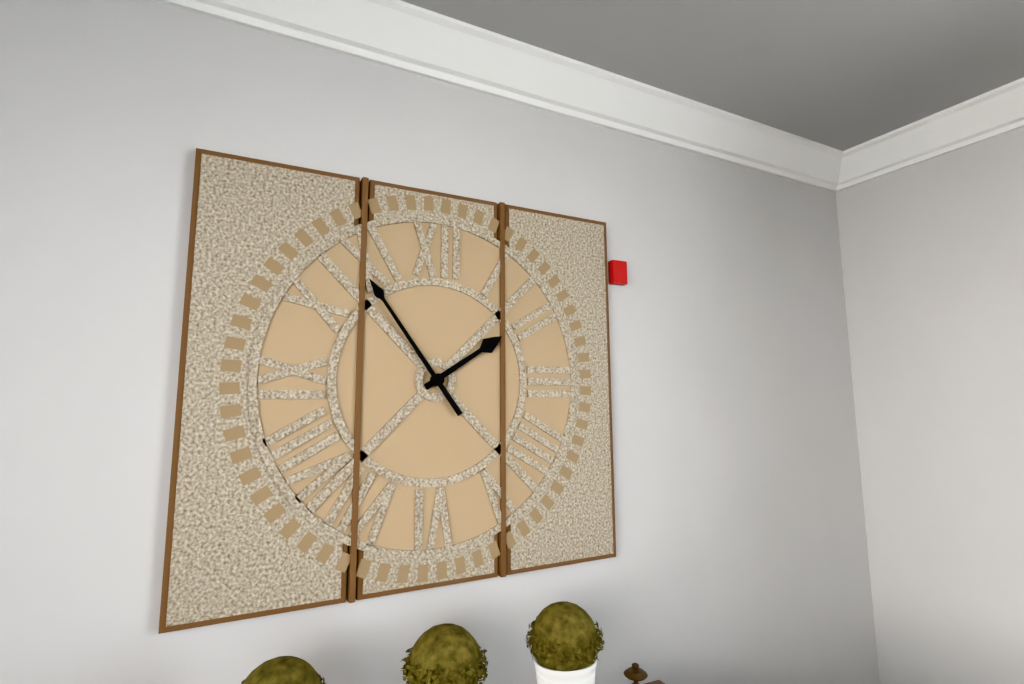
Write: 1:54
